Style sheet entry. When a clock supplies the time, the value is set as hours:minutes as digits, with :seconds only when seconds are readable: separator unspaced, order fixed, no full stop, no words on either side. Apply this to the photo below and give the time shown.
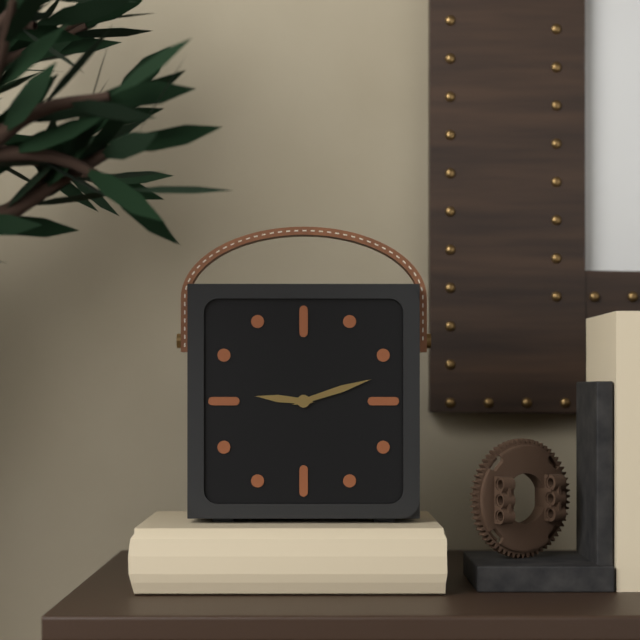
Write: 9:12
